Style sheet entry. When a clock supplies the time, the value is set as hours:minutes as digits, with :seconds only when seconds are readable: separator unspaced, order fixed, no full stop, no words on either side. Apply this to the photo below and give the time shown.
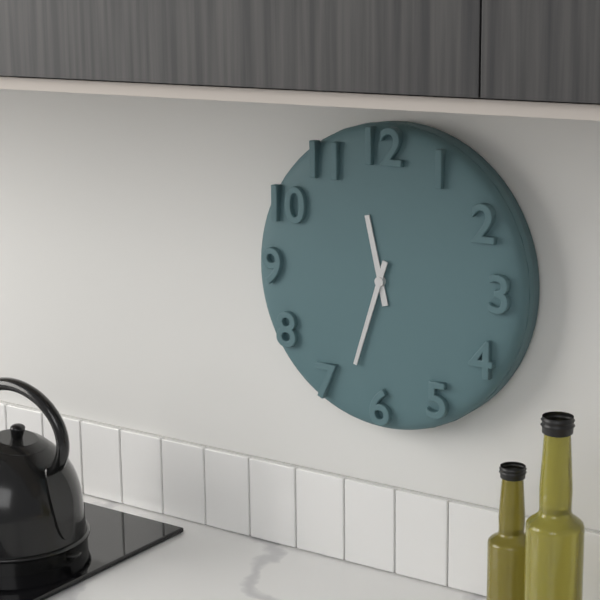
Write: 11:33
